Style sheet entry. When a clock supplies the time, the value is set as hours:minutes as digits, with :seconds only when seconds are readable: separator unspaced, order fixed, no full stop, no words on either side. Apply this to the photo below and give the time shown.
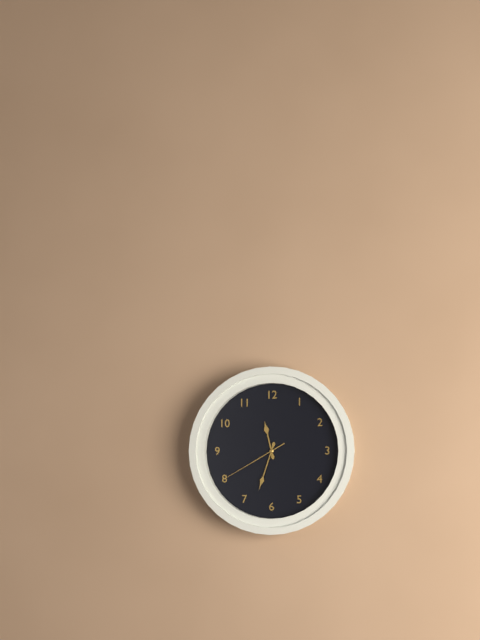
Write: 11:33:40
